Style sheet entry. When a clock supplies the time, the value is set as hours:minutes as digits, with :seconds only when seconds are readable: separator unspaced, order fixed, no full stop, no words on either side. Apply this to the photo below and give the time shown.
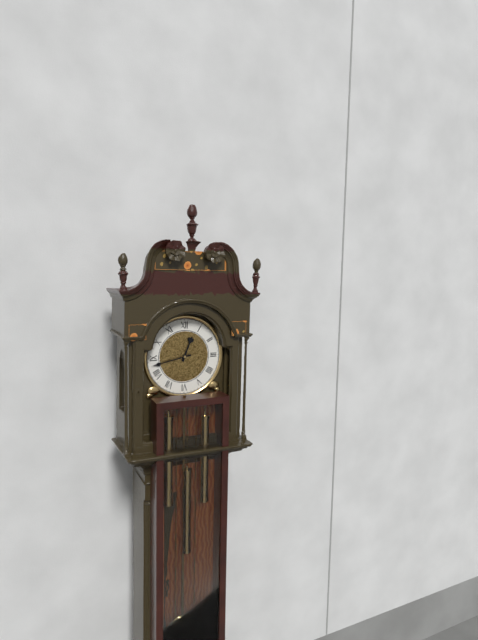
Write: 12:43
